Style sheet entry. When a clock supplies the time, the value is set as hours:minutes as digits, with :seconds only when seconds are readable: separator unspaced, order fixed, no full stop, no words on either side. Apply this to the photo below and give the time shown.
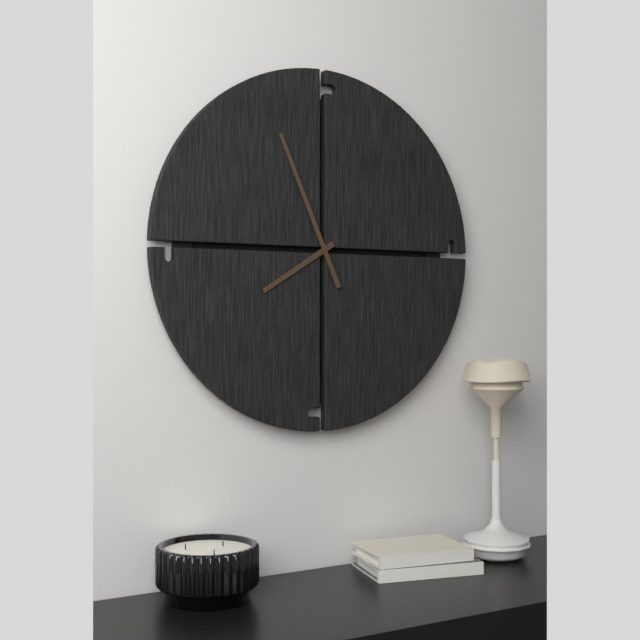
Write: 7:56
